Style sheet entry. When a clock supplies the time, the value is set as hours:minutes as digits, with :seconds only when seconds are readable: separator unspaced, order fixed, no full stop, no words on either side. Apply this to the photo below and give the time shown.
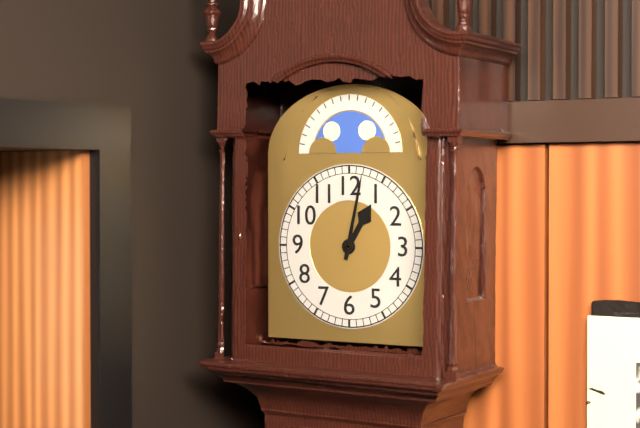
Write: 1:02
